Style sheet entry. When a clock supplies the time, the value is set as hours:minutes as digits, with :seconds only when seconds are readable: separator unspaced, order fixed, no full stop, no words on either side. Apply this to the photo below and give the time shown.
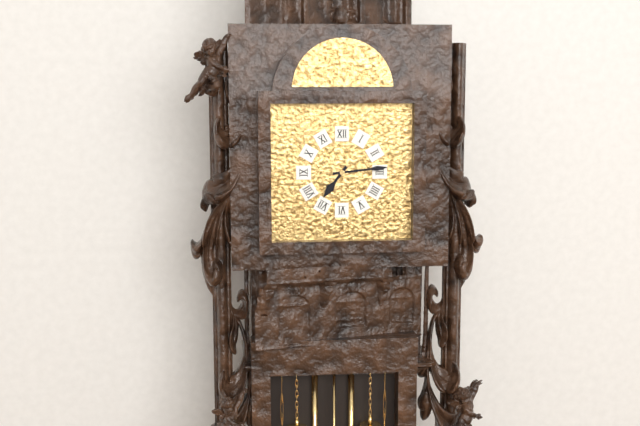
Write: 7:14
